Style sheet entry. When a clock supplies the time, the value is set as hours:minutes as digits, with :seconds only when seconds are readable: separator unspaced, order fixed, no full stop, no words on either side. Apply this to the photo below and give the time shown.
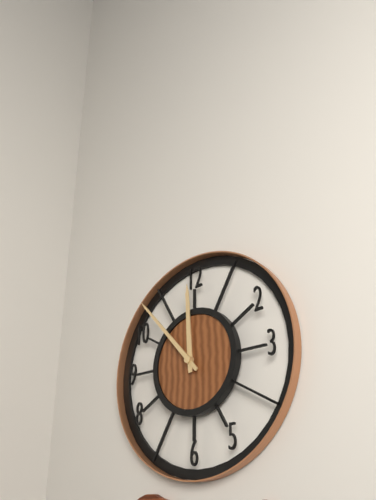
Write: 11:53
